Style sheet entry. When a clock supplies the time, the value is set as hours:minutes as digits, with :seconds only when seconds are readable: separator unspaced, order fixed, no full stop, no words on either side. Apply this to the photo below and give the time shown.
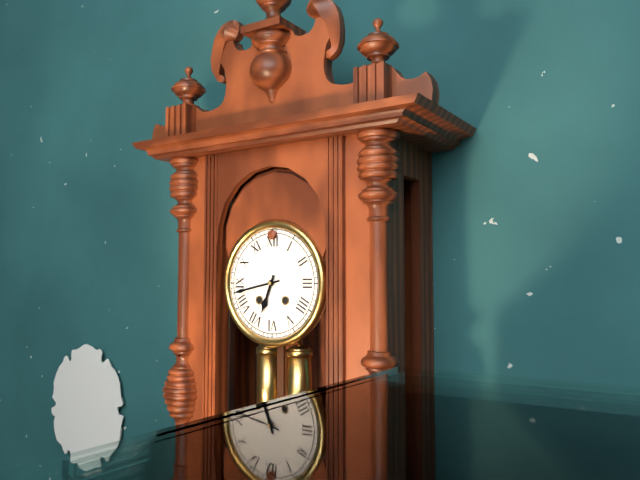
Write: 6:43
